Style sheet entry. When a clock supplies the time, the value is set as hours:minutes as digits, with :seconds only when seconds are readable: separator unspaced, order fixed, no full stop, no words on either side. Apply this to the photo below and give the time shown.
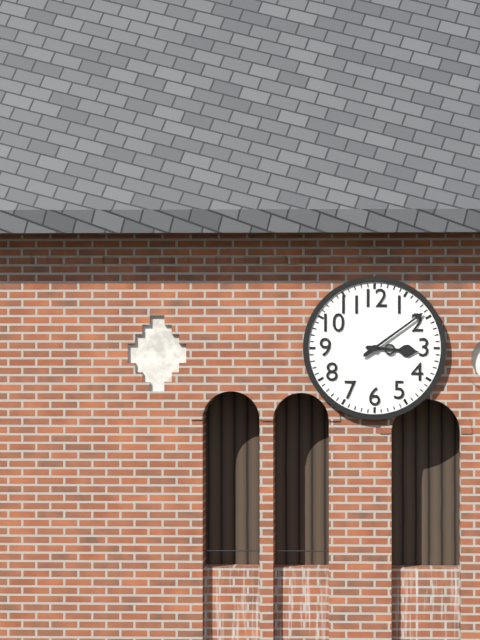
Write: 3:09
